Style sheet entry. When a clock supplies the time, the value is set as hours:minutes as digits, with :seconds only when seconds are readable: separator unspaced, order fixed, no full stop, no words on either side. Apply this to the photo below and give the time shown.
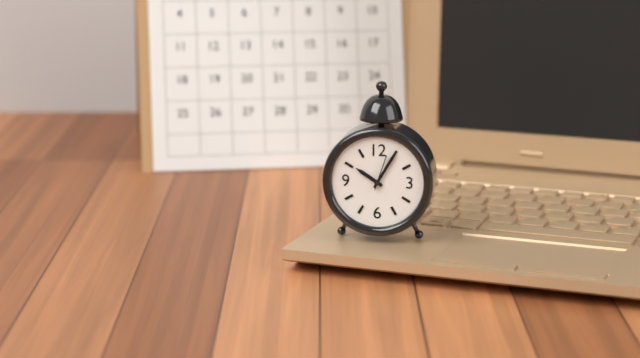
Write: 10:05
